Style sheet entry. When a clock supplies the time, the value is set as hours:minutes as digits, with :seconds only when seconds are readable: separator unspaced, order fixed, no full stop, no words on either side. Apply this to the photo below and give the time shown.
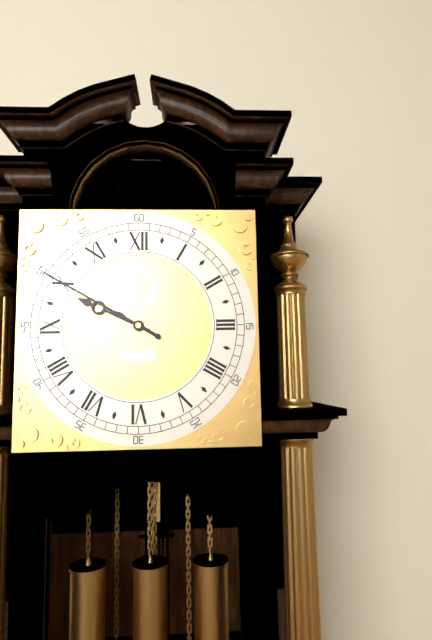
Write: 9:50
